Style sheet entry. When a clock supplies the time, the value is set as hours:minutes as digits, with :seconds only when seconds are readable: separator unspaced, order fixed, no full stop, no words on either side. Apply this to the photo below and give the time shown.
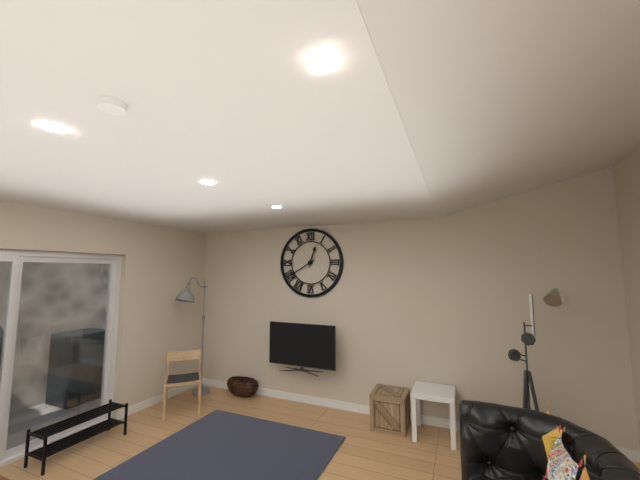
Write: 12:40
